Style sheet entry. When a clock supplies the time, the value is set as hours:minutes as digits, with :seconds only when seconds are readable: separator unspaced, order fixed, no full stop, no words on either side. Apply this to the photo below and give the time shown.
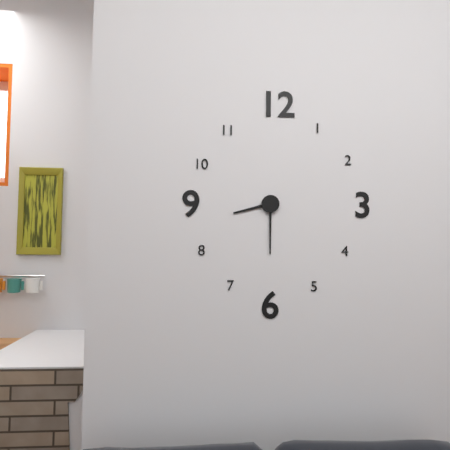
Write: 8:30
